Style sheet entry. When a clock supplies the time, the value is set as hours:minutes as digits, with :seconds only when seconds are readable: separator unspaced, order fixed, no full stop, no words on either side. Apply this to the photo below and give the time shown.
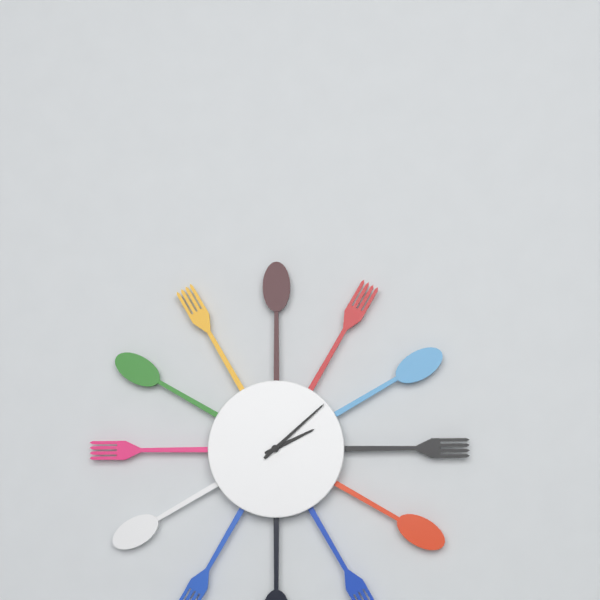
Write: 2:08
